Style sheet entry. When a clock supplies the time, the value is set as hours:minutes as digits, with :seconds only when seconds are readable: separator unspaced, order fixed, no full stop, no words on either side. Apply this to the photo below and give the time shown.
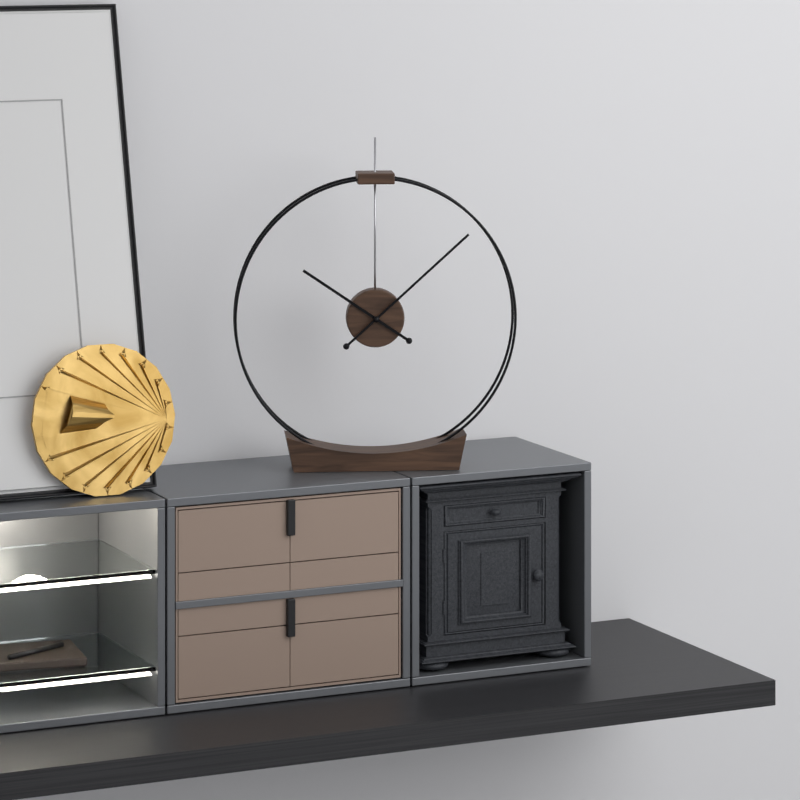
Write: 10:08
